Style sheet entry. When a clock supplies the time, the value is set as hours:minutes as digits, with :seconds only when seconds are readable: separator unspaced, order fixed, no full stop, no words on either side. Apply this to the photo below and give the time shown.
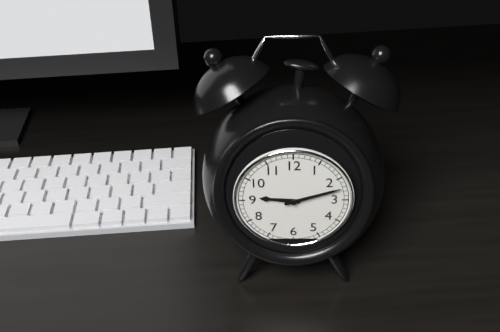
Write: 9:12
